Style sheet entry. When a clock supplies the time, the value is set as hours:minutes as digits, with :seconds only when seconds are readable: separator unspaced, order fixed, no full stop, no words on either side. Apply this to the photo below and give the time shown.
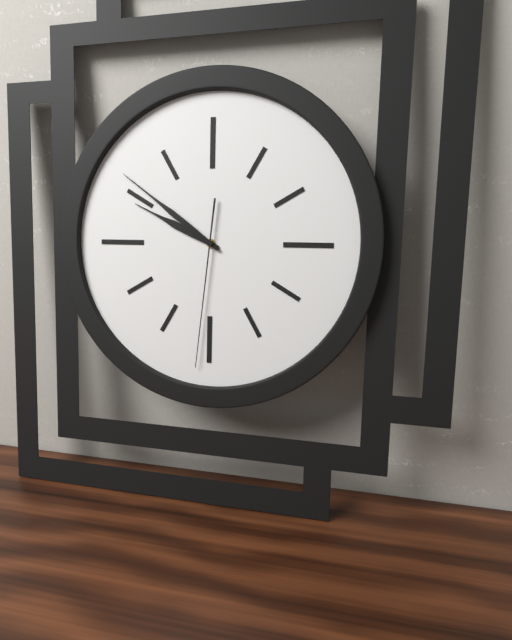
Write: 9:51:31
